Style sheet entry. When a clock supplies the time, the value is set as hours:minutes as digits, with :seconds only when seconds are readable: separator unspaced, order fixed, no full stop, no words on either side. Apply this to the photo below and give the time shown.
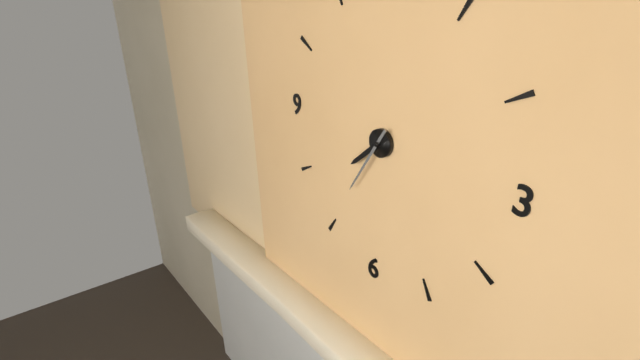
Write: 7:35
